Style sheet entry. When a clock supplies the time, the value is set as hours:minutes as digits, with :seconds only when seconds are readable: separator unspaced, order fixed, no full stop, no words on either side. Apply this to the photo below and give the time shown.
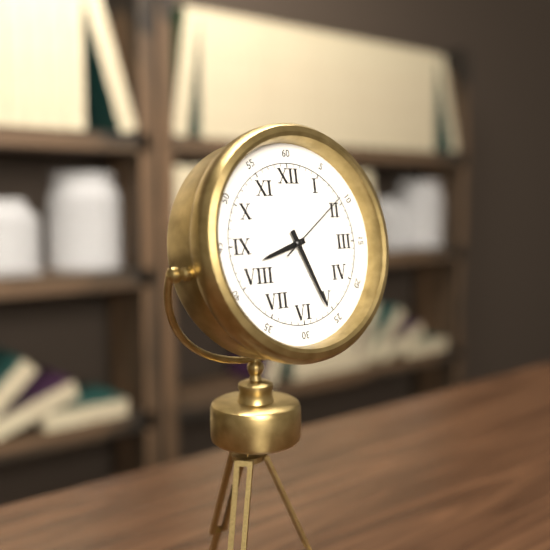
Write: 8:26:09
